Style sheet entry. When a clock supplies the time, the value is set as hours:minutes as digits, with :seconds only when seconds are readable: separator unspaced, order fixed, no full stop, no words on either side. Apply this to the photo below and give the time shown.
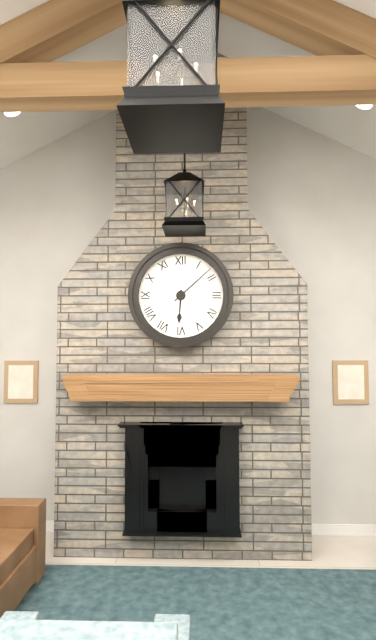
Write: 6:08
